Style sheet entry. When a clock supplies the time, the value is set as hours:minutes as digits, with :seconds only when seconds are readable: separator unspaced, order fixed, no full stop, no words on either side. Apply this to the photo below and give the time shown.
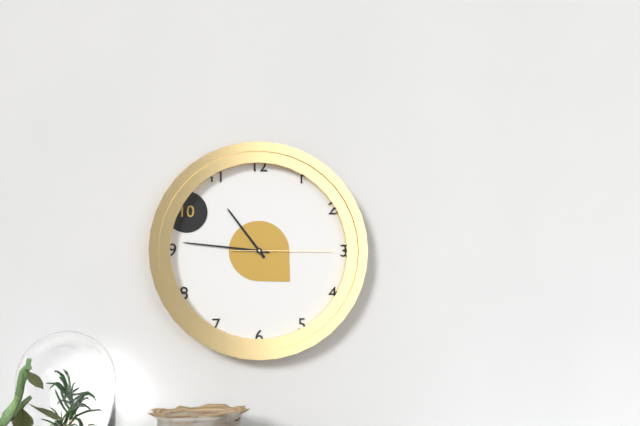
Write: 10:46:15
